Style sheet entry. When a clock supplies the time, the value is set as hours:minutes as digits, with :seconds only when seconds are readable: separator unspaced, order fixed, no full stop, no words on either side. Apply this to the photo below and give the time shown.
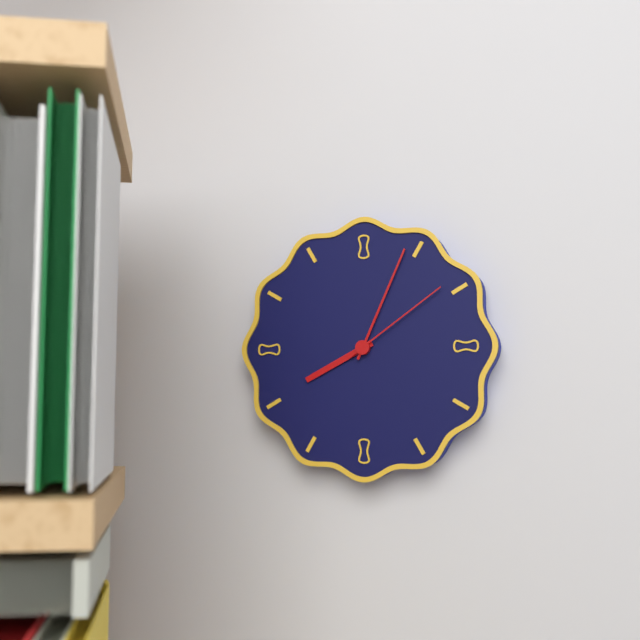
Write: 8:04:09
